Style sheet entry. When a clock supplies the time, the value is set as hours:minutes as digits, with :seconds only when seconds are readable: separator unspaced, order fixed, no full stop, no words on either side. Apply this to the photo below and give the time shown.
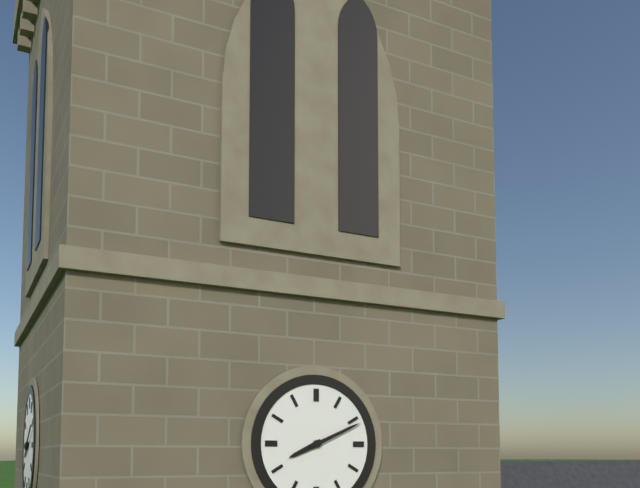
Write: 8:11
